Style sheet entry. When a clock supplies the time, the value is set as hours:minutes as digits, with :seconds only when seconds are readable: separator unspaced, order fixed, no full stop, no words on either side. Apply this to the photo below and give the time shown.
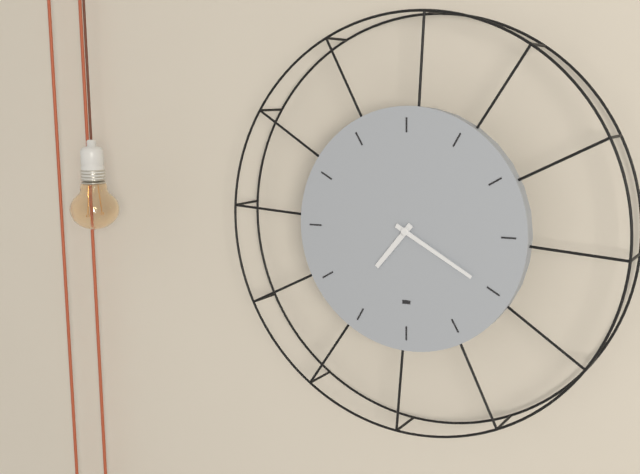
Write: 7:20
